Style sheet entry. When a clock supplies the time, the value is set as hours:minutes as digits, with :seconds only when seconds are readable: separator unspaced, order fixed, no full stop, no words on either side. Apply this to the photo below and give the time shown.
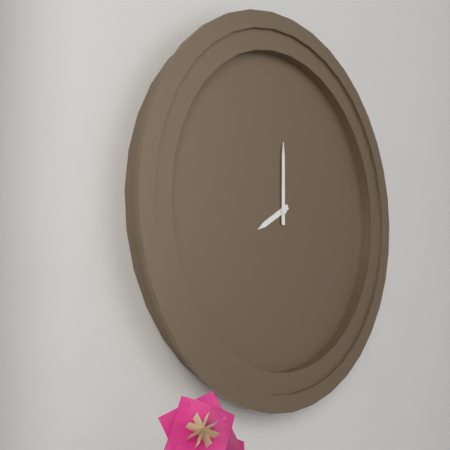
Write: 8:00
